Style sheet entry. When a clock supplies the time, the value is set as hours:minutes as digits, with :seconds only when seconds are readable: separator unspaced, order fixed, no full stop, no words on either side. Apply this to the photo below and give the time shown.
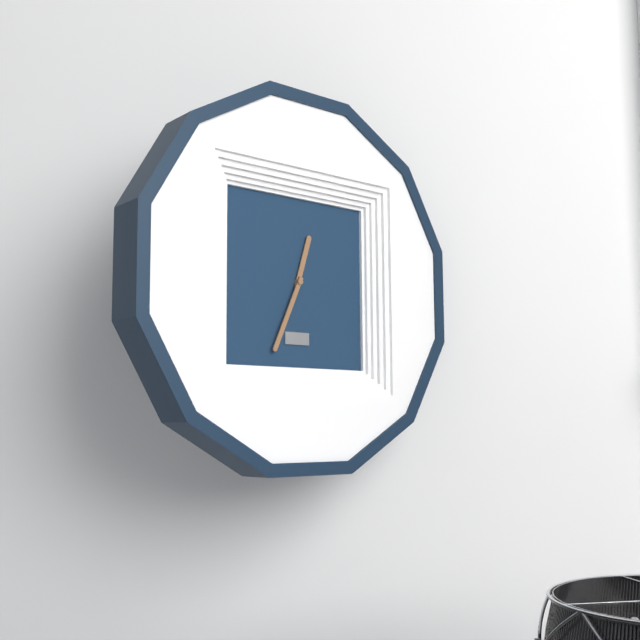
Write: 12:34
